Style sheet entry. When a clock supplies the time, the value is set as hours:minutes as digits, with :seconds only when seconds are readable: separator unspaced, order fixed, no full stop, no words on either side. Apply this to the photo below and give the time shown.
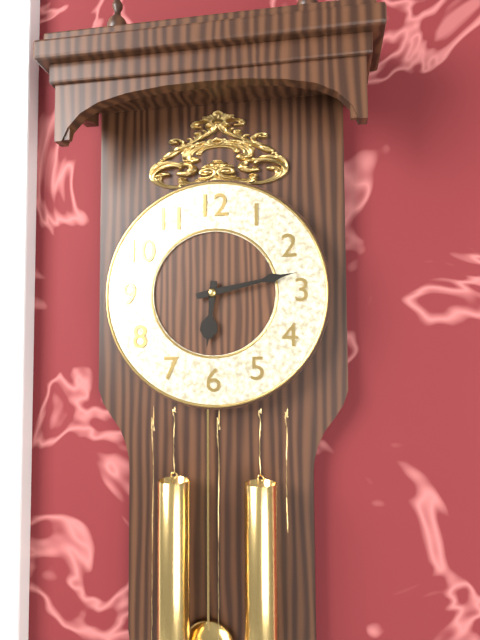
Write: 6:13
